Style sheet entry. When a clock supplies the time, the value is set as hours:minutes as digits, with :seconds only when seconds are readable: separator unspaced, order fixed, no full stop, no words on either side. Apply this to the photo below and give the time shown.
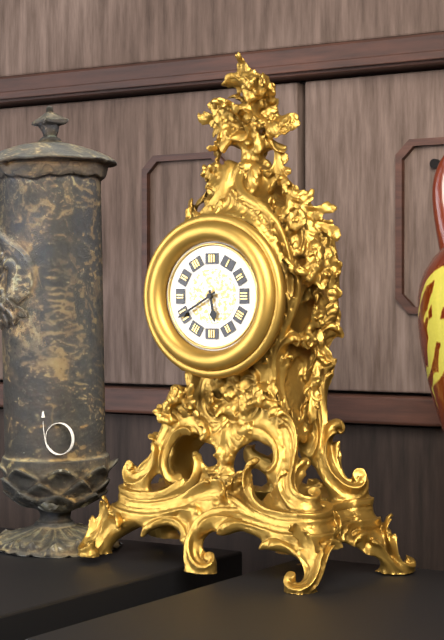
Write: 5:40
